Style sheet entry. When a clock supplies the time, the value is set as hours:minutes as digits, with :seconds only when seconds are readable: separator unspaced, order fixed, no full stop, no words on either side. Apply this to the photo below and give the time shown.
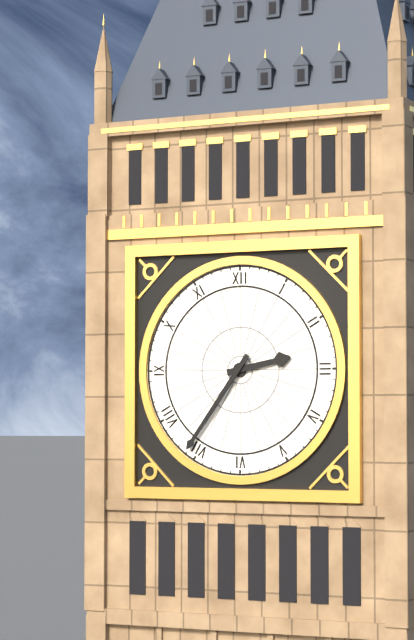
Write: 2:36
